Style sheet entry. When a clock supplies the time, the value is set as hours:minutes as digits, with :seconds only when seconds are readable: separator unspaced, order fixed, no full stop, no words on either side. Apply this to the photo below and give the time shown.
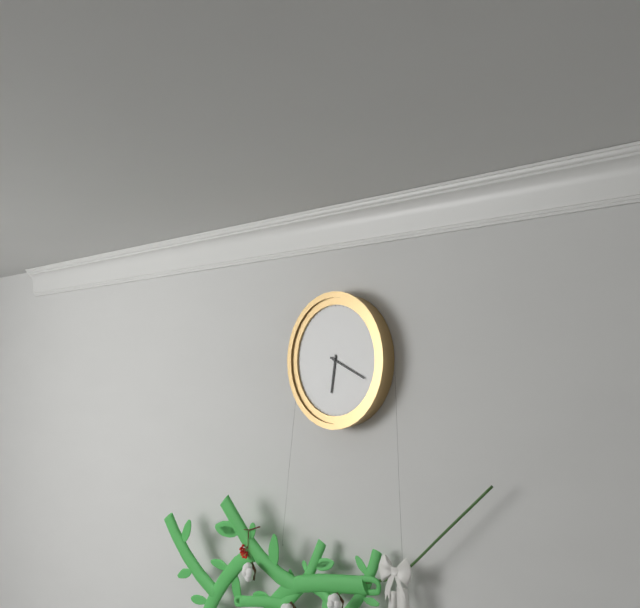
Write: 6:19
